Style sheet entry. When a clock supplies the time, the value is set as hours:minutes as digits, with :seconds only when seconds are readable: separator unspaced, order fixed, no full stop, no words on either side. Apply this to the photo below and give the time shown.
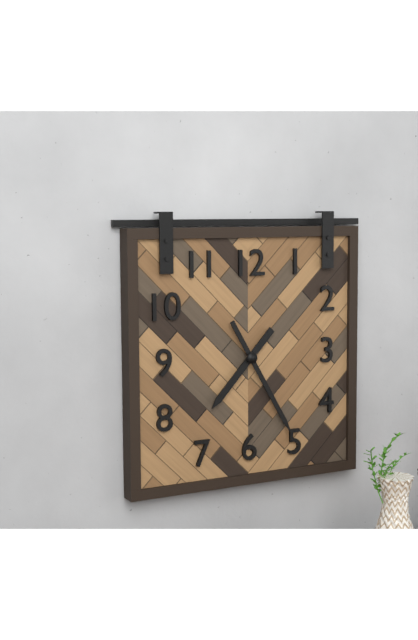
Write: 7:25
